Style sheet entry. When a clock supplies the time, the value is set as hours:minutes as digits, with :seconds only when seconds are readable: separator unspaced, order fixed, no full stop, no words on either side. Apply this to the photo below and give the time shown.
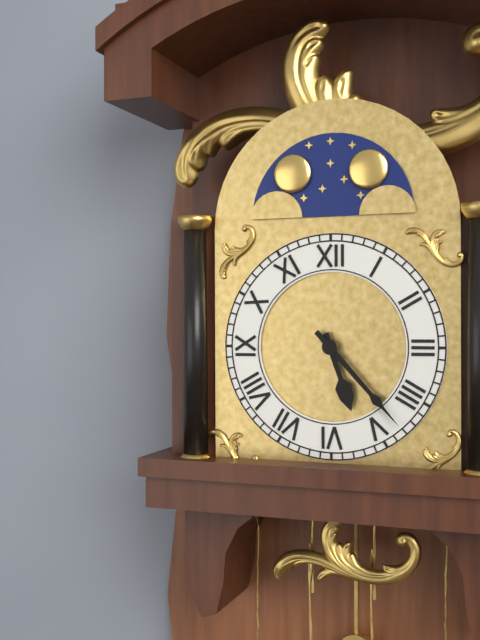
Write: 5:23
